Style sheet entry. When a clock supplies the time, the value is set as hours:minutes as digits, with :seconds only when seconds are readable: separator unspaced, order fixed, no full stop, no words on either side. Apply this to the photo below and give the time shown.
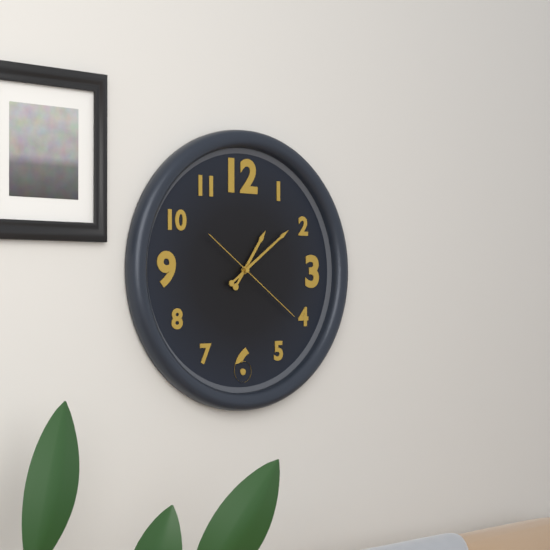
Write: 1:09:21
